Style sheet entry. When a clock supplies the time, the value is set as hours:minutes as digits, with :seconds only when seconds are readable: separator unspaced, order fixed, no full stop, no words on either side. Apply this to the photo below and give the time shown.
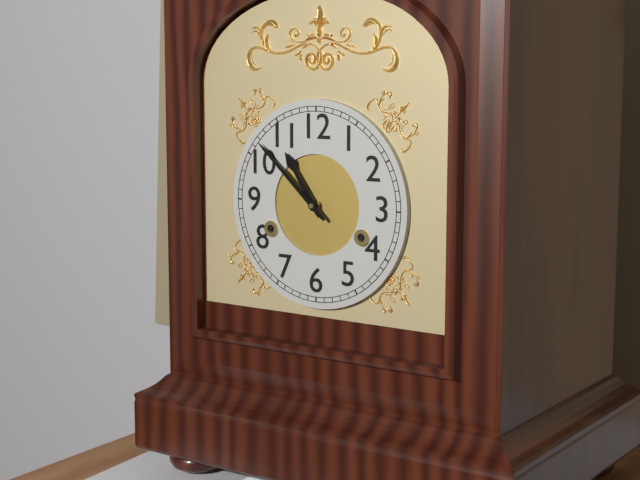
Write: 10:52
